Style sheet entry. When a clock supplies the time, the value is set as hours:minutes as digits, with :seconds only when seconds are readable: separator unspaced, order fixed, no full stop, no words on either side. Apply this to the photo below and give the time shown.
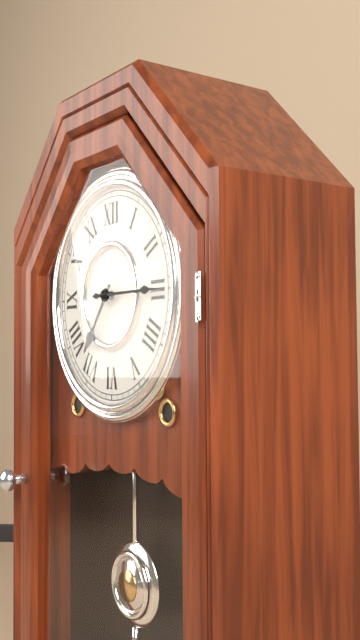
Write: 7:15
